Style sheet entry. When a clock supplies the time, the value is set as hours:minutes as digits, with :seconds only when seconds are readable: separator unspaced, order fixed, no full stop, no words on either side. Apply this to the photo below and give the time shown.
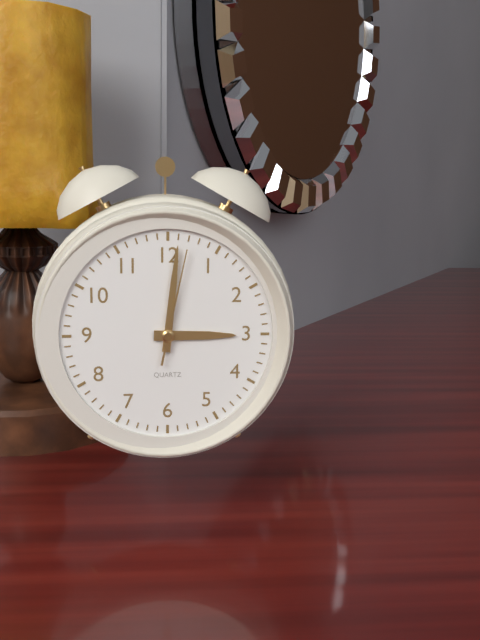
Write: 3:01:02
